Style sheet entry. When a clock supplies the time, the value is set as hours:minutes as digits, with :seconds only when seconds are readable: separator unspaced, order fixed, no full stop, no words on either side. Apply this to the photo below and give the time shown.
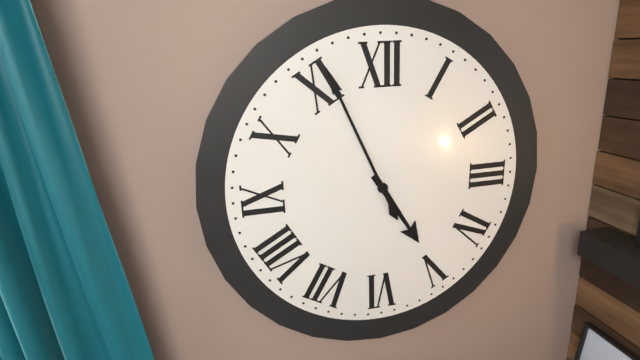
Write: 4:56
